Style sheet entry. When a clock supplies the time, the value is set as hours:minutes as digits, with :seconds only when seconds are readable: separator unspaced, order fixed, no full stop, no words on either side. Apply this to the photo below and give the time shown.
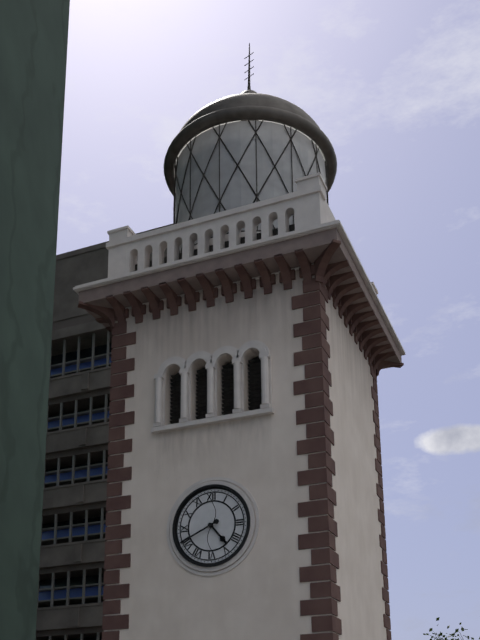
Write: 4:41
